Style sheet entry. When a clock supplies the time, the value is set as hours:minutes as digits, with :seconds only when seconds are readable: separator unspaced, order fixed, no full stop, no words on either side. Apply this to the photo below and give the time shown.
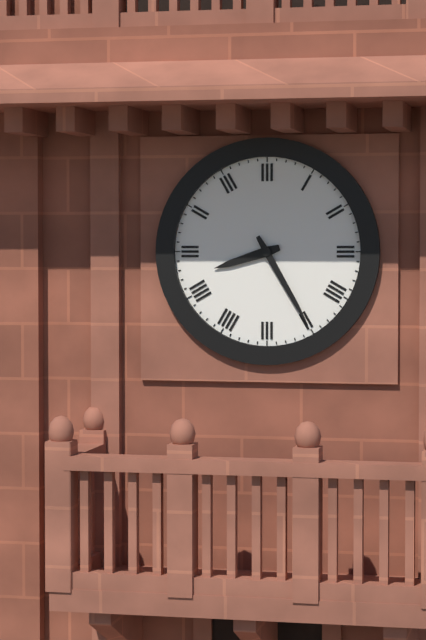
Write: 8:25
